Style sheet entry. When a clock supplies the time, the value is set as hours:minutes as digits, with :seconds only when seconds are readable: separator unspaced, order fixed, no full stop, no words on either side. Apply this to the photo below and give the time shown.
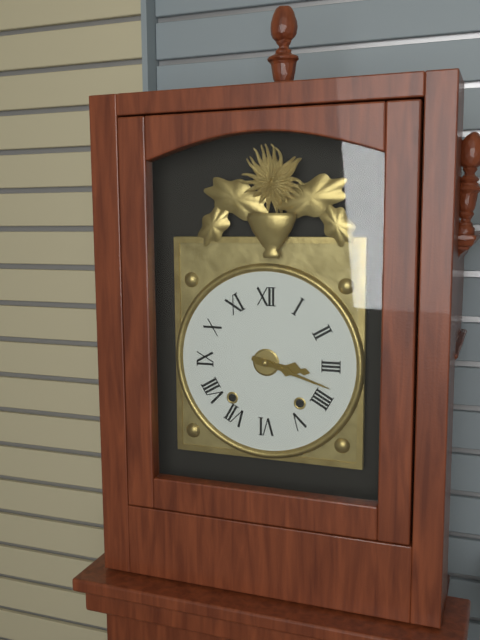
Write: 3:18
